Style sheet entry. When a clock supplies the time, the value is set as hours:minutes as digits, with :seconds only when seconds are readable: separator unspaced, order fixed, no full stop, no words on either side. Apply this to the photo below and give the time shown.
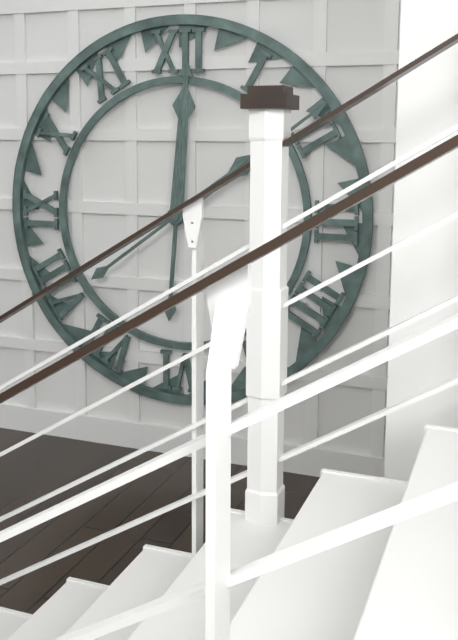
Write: 12:09
